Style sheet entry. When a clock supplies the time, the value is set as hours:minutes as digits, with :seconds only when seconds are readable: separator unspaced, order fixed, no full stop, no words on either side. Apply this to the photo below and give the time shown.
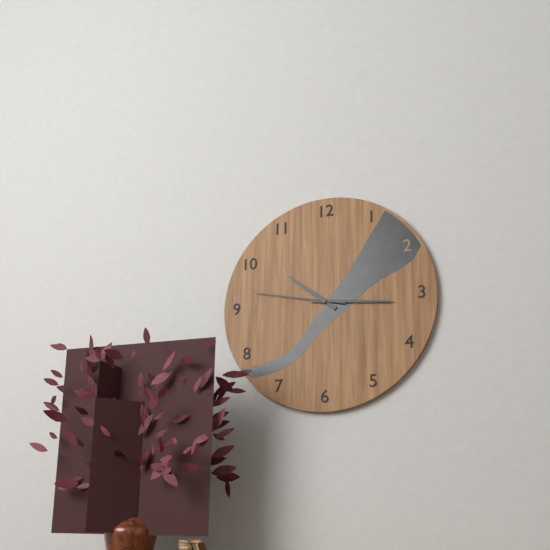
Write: 10:16:47
